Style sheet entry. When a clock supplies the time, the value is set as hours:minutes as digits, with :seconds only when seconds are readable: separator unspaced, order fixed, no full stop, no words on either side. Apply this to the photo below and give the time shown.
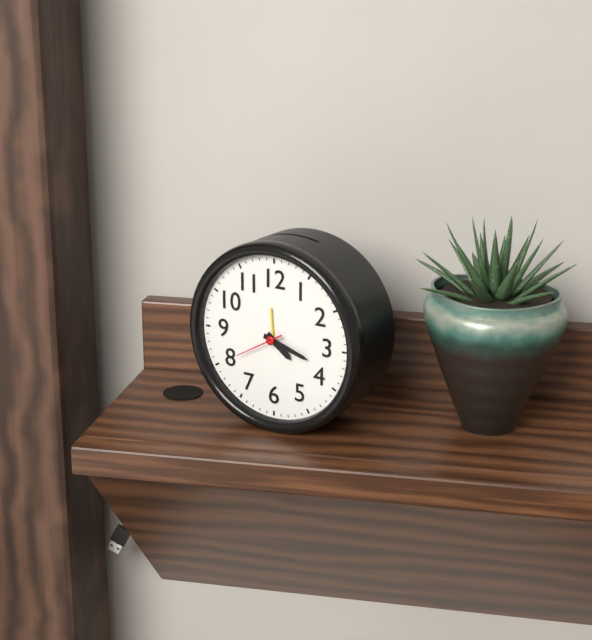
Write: 4:18
